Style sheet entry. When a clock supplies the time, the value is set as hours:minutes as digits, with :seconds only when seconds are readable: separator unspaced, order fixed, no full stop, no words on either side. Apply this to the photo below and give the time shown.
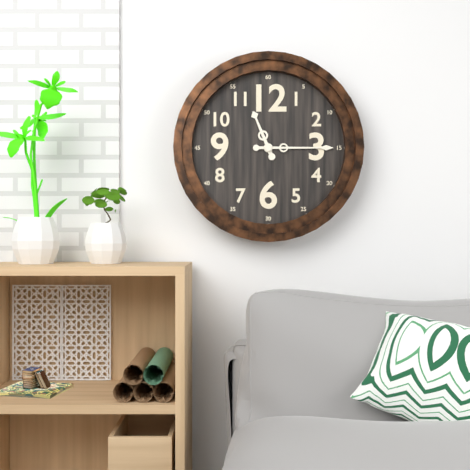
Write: 11:15
